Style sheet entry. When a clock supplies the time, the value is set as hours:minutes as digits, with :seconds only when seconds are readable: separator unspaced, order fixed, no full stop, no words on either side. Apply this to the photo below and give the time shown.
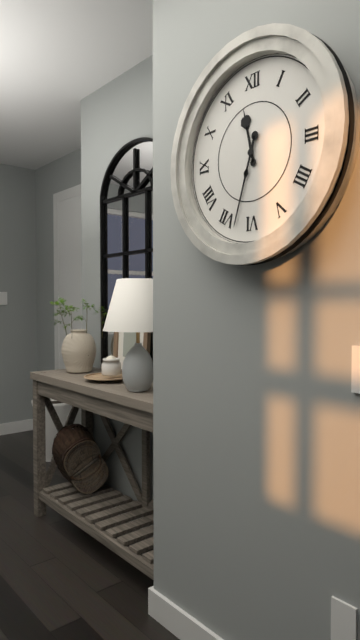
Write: 11:33
